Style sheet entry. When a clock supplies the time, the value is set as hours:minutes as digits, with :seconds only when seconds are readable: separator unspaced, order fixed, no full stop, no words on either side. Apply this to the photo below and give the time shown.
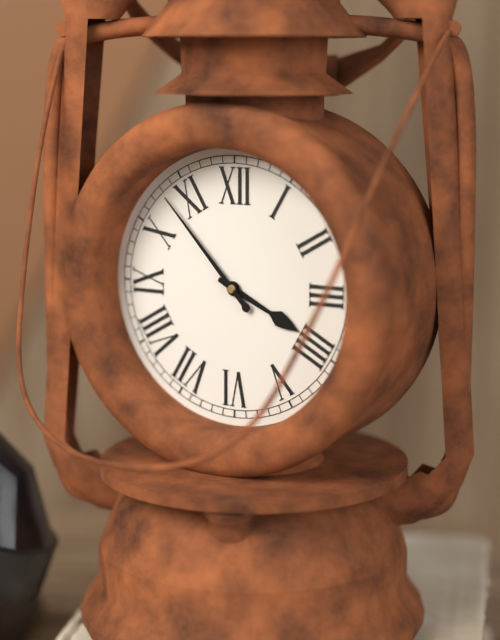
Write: 3:53
